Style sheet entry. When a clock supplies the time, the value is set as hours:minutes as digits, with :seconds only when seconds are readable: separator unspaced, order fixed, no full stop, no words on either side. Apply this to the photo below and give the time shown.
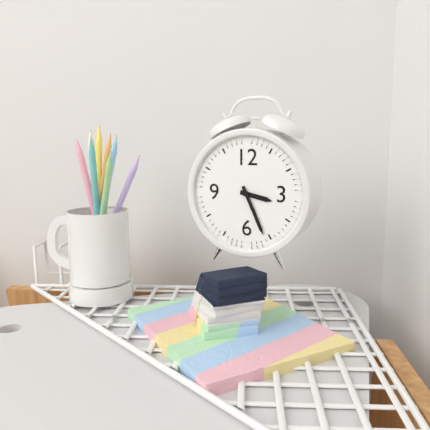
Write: 3:26
